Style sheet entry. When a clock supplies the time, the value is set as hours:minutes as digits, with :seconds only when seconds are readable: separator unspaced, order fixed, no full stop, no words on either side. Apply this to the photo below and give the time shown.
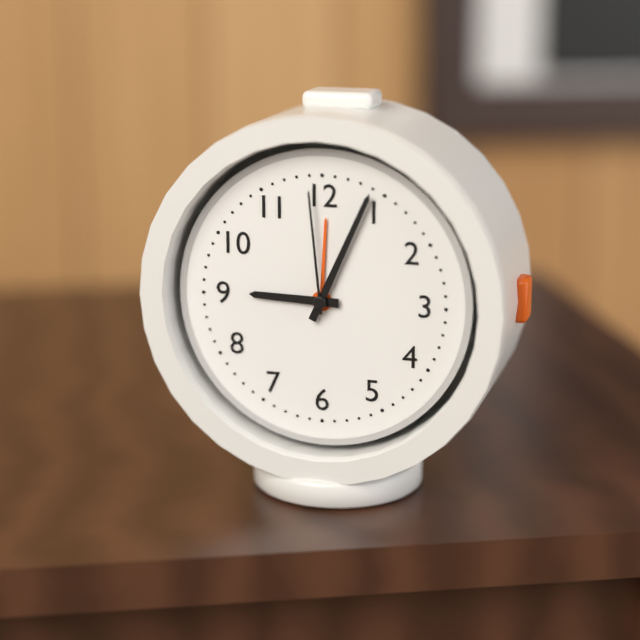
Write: 9:04:59
